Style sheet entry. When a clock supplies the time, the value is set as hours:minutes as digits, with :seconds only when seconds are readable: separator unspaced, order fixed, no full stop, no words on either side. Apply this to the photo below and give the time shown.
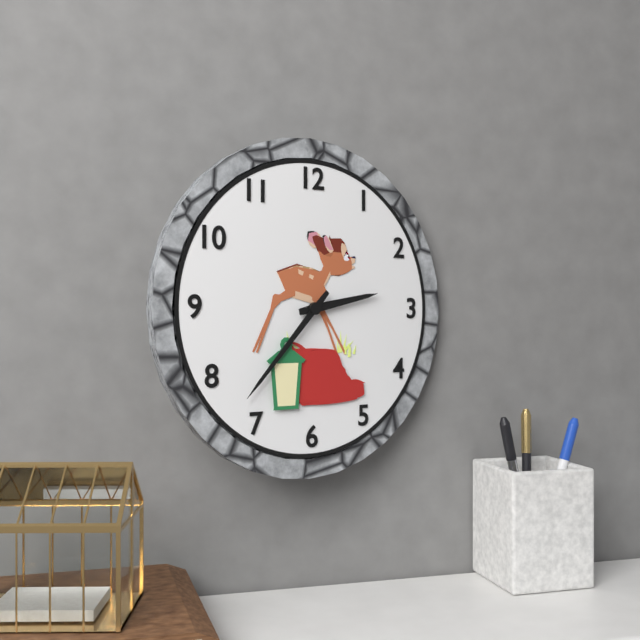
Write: 2:37
